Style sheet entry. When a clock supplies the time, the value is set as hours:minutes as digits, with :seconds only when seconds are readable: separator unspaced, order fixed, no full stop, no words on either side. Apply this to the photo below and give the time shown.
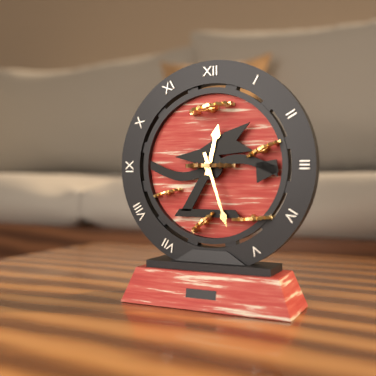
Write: 12:27
